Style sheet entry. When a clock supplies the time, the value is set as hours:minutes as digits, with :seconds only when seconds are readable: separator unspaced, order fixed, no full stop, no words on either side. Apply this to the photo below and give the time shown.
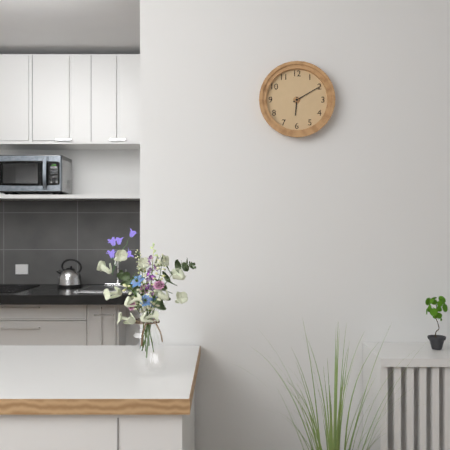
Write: 6:10
